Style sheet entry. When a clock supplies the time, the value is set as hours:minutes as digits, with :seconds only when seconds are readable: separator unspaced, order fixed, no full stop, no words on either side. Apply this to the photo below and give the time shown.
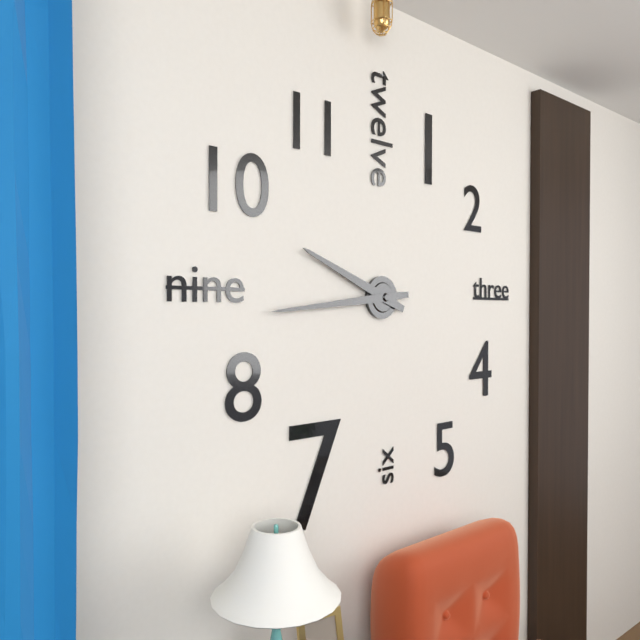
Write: 9:44
